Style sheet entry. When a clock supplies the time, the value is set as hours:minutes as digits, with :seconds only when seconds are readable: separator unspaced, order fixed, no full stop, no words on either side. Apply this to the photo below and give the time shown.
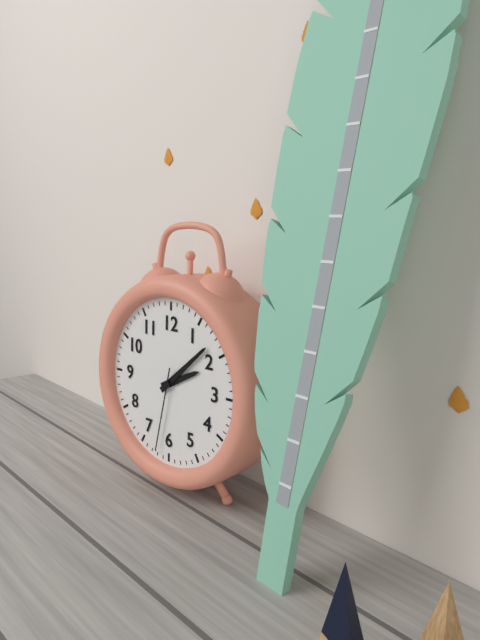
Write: 2:08:32
